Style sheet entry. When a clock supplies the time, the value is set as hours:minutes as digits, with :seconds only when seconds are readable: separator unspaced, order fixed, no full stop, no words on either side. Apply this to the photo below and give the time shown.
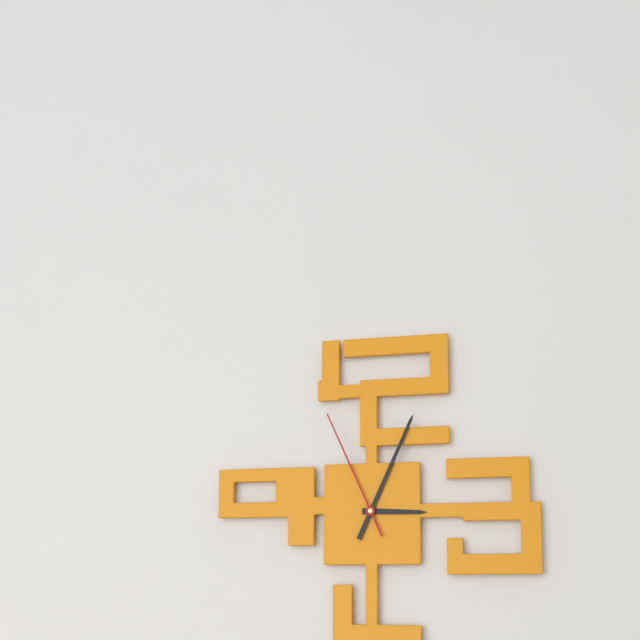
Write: 3:04:56
